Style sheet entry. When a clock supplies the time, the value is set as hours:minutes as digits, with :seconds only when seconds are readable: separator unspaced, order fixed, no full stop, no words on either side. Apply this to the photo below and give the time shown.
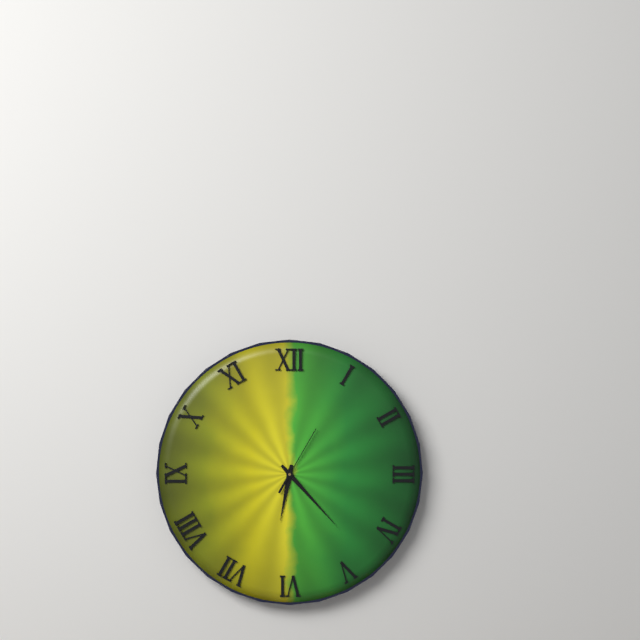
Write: 6:23:05
